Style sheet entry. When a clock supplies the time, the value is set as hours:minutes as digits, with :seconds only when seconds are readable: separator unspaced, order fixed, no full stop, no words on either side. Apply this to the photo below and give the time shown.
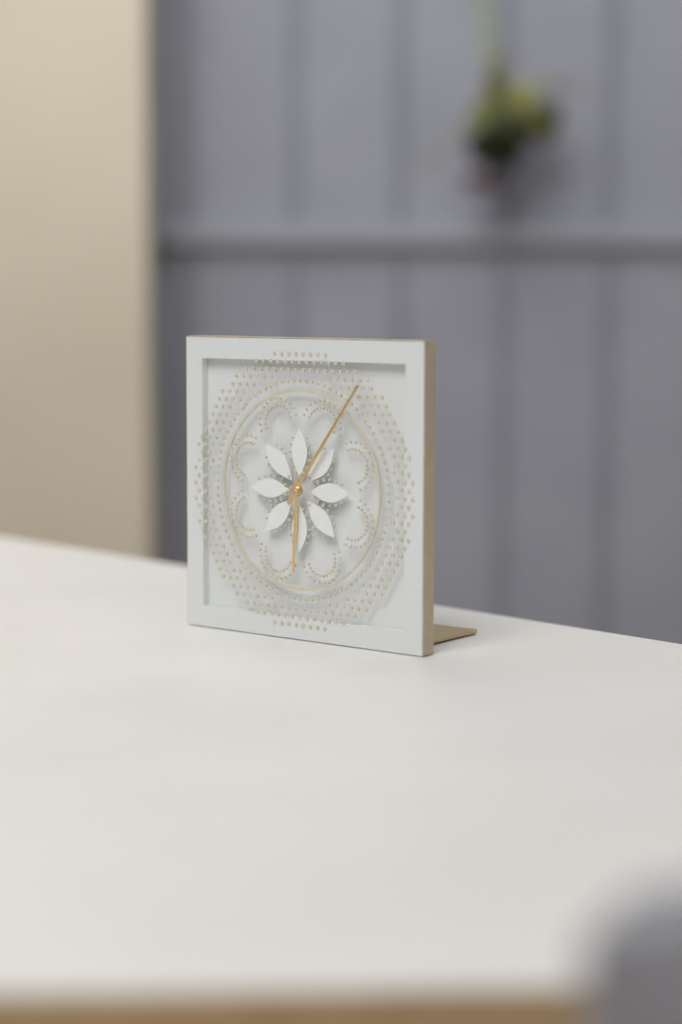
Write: 6:06
